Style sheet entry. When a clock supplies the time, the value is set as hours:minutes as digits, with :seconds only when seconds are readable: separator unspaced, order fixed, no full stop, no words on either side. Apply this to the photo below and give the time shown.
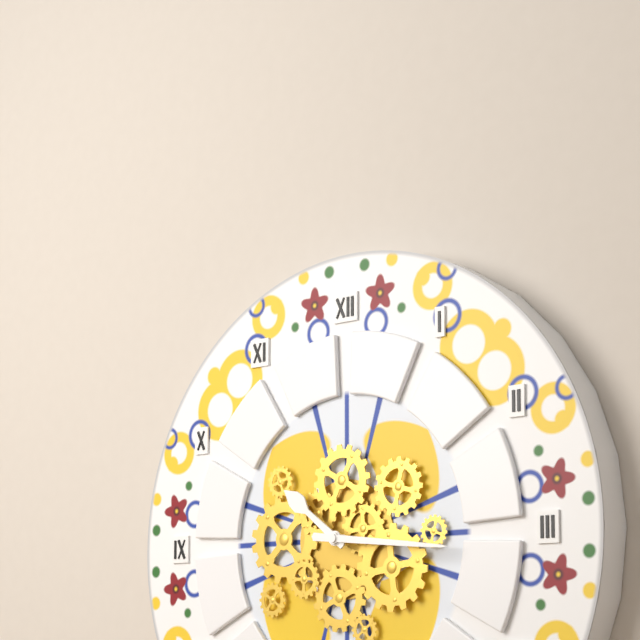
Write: 10:16
